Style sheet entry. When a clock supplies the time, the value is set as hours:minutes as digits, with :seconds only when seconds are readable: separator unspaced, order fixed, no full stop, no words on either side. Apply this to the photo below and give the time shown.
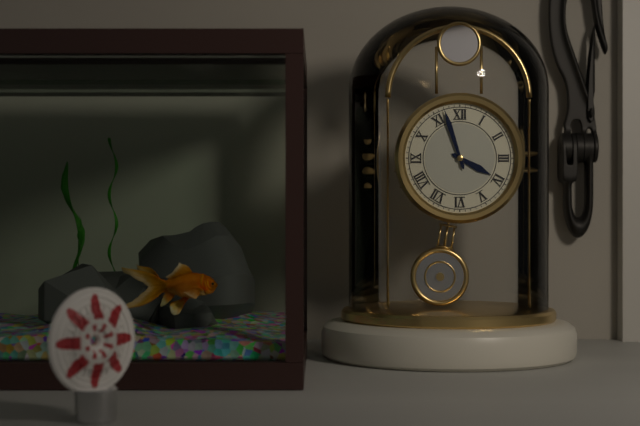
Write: 3:57
